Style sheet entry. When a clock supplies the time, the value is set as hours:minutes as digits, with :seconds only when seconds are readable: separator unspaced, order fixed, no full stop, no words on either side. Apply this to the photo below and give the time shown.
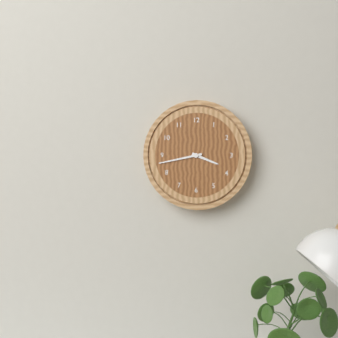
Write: 3:43
